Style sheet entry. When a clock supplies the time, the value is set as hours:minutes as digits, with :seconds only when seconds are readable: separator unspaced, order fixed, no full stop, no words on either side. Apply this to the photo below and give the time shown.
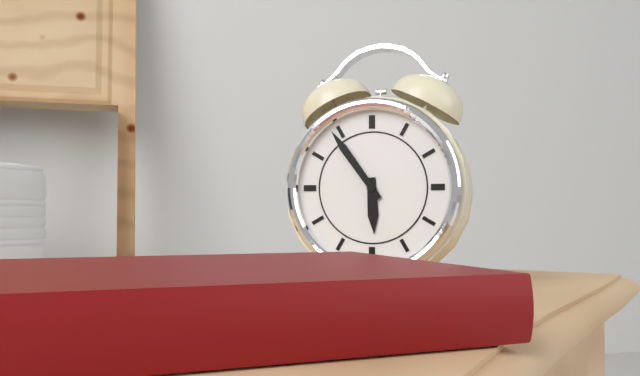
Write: 5:54
